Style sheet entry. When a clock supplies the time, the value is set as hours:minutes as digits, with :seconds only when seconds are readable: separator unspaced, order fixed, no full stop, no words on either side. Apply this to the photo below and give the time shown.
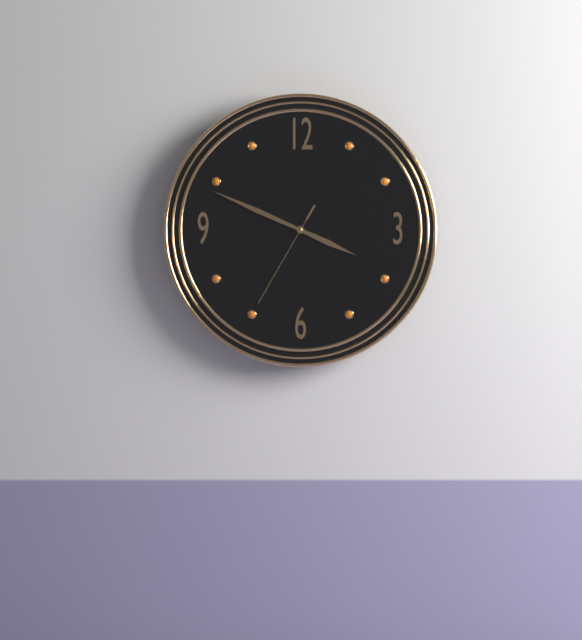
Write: 3:49:35
